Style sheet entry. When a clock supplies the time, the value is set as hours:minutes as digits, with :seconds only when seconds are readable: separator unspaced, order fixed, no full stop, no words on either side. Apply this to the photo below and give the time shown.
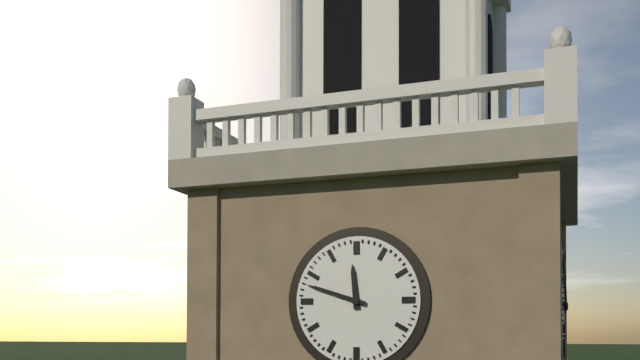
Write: 11:48
